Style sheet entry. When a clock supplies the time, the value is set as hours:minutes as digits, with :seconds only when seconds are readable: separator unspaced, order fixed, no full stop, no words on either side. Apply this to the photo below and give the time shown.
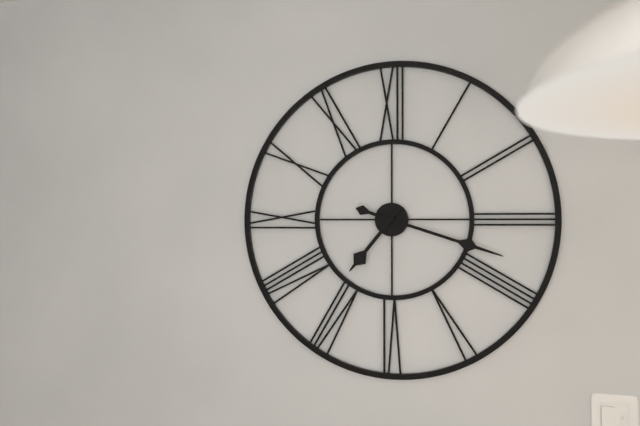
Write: 7:18
